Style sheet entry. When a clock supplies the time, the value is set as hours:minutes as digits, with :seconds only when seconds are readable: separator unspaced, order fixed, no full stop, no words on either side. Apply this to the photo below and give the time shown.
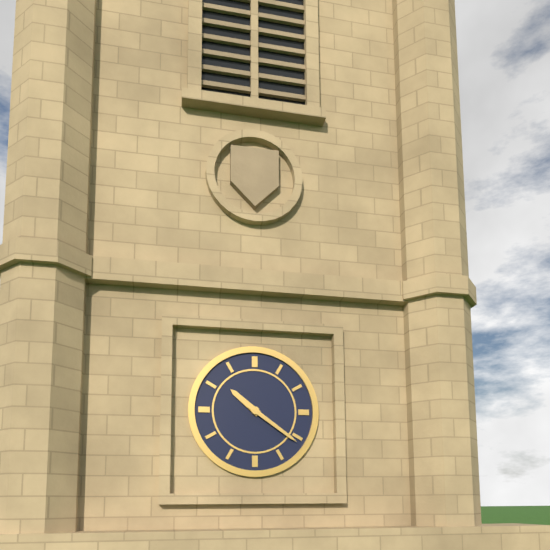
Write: 10:21
